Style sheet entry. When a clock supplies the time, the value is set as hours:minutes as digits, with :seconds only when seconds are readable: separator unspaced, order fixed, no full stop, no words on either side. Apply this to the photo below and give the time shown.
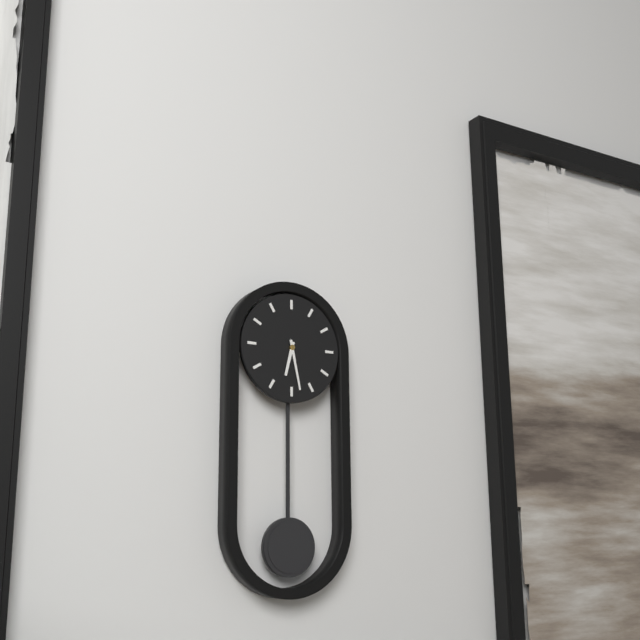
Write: 6:28
